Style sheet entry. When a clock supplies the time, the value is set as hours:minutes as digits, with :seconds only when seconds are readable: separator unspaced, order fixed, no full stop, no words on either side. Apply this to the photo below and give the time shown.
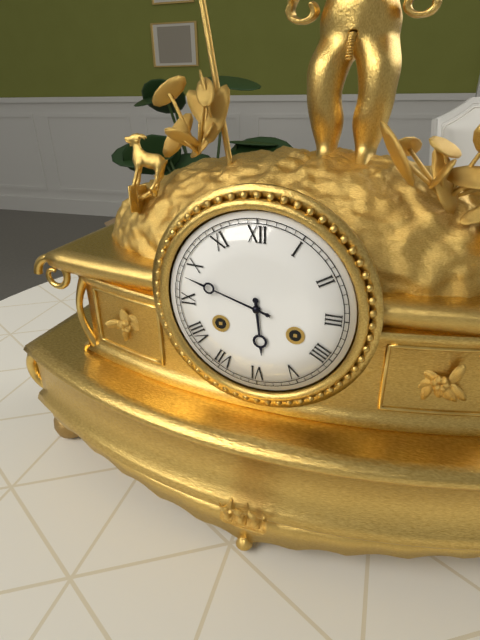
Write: 5:48
